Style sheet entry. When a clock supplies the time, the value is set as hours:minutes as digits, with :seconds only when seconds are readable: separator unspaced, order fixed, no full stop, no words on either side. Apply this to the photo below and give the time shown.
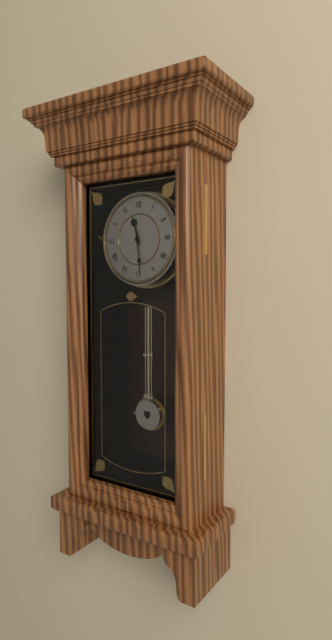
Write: 11:29
